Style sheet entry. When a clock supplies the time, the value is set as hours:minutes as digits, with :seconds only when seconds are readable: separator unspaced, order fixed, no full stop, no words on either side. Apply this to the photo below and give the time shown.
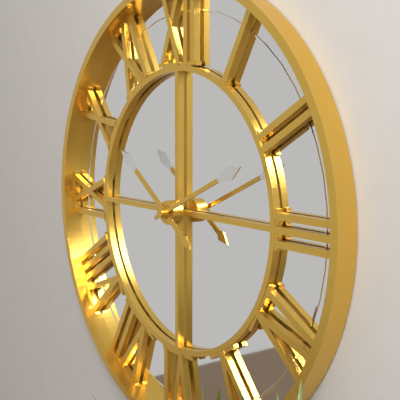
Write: 10:11
